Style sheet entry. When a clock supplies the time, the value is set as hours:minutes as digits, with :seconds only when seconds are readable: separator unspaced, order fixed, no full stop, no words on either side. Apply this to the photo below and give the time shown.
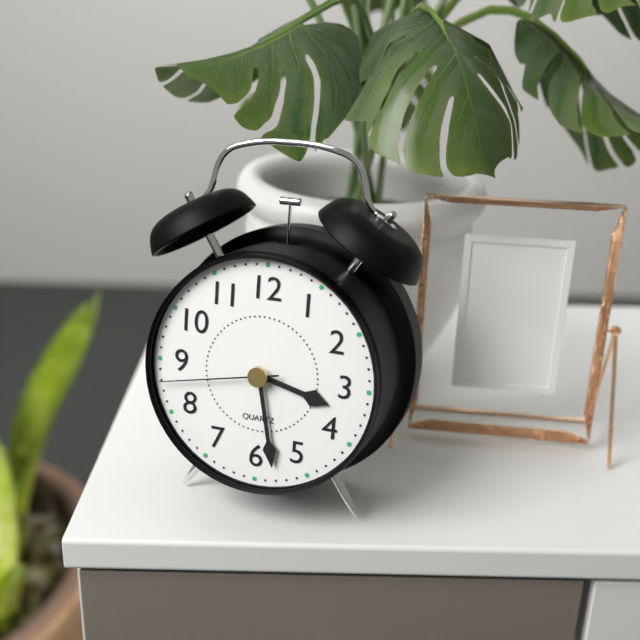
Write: 3:28:43
